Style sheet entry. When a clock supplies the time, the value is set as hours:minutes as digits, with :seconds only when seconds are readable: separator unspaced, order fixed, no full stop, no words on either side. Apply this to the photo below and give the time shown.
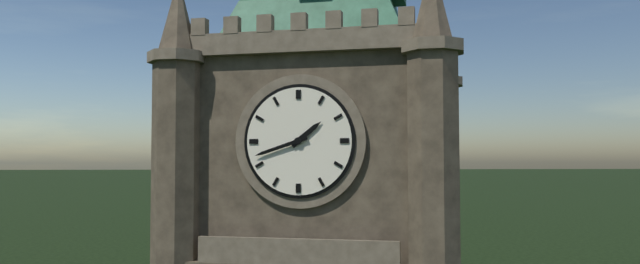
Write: 1:42
